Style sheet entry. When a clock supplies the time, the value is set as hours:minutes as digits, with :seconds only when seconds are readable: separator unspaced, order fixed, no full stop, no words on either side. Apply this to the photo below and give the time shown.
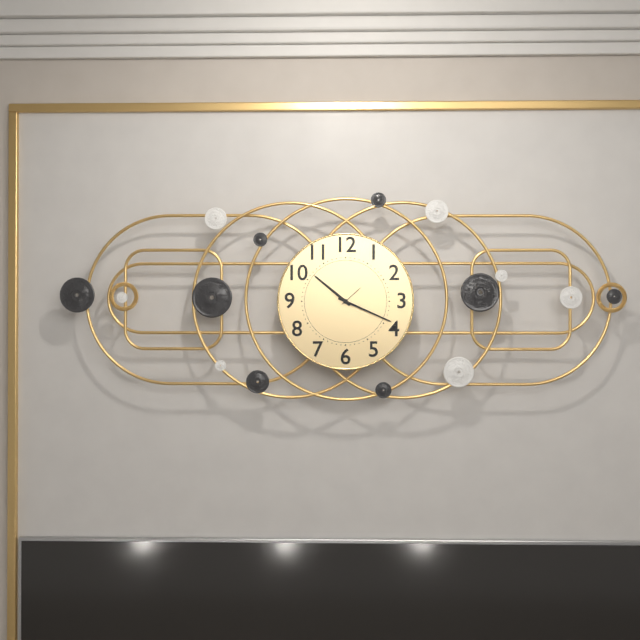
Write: 10:19
